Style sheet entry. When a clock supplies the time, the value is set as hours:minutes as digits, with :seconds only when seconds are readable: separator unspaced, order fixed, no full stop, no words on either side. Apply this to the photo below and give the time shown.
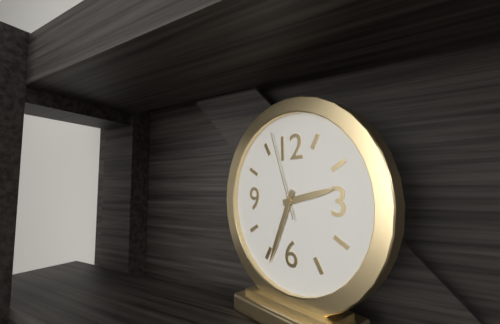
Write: 2:34:57
